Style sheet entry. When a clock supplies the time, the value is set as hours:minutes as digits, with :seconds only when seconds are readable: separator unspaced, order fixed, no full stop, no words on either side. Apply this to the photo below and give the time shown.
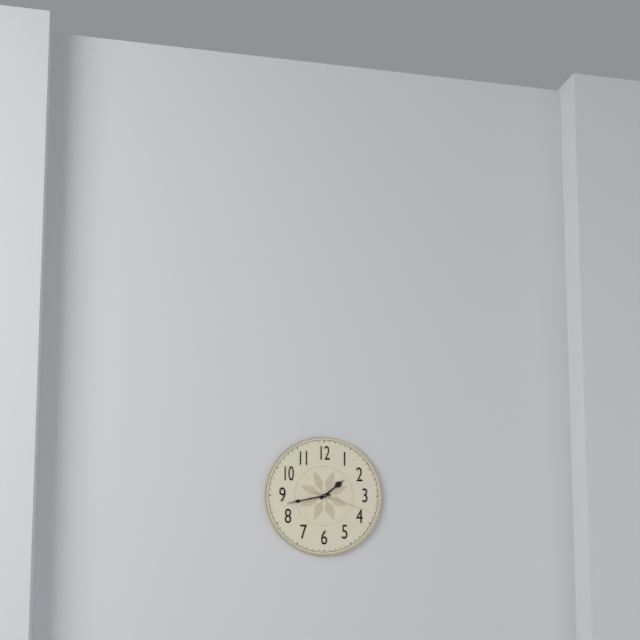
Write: 1:43:18
